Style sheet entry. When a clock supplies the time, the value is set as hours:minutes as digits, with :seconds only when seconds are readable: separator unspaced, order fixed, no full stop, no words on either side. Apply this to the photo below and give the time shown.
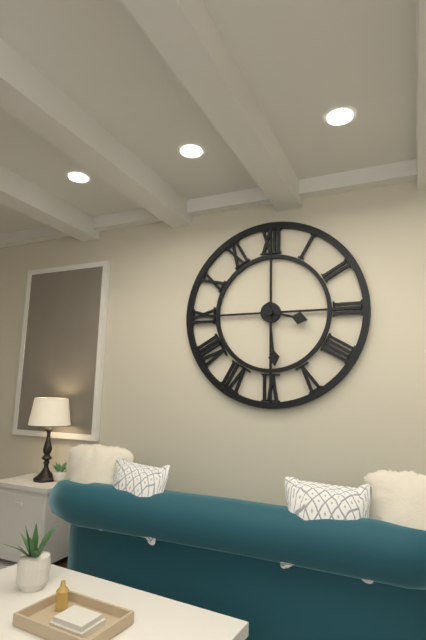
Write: 3:29
